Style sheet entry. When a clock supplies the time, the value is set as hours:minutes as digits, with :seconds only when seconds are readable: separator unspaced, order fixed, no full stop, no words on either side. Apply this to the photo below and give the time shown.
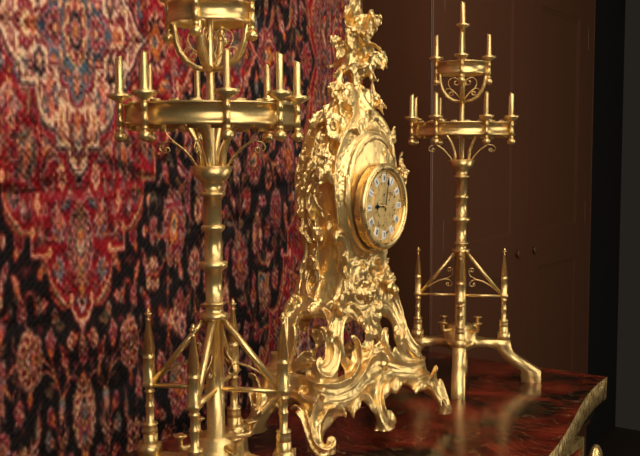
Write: 9:02
